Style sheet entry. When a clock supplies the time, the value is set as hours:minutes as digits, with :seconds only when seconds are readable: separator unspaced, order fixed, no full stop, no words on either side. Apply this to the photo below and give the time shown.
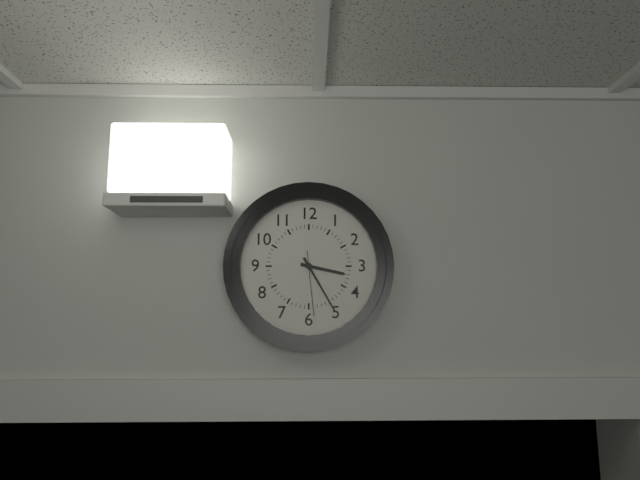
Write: 3:25:29
